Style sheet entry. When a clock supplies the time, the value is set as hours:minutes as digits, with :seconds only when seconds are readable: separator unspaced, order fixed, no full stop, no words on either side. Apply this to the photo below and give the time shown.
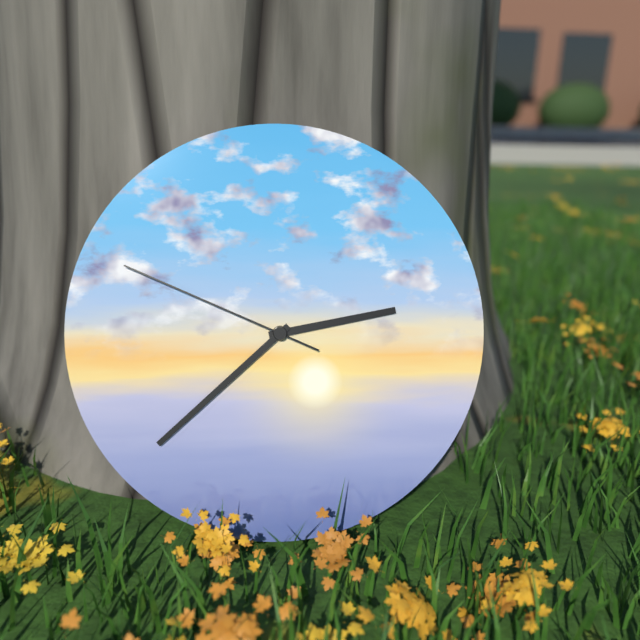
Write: 2:38:49
